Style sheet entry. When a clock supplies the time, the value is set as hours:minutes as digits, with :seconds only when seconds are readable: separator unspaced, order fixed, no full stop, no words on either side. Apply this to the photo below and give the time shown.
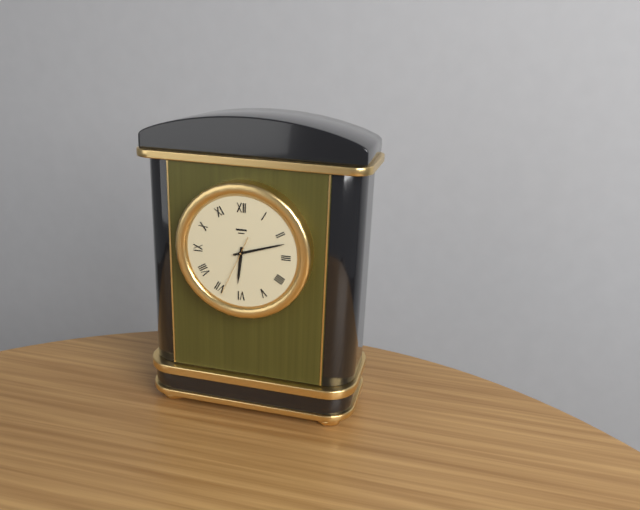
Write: 6:12:34
